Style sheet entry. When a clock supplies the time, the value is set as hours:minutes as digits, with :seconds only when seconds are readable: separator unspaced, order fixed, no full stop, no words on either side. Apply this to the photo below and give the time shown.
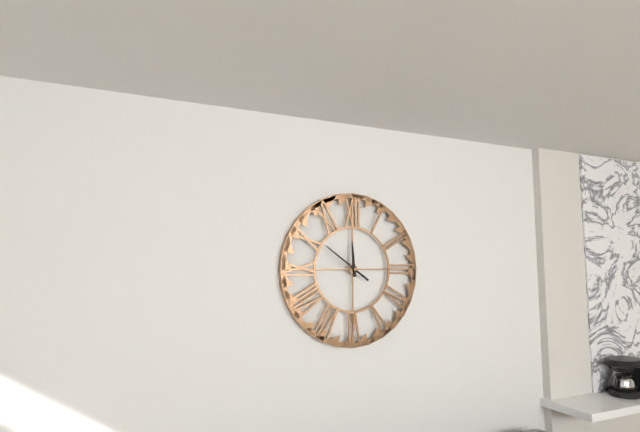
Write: 11:51
